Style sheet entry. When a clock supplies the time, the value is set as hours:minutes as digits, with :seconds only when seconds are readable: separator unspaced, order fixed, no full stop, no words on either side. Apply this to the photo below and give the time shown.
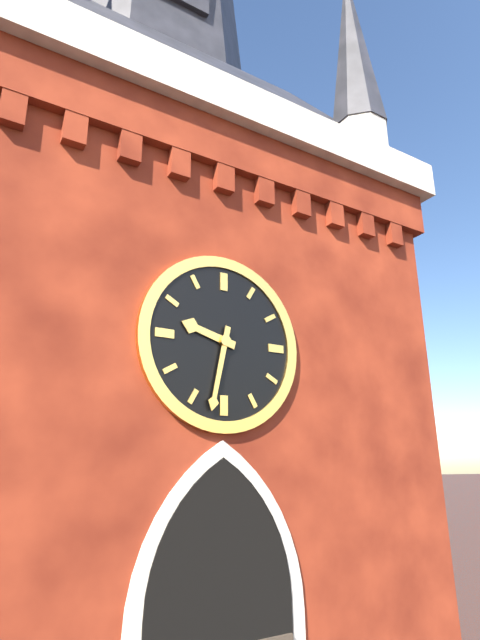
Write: 9:32
